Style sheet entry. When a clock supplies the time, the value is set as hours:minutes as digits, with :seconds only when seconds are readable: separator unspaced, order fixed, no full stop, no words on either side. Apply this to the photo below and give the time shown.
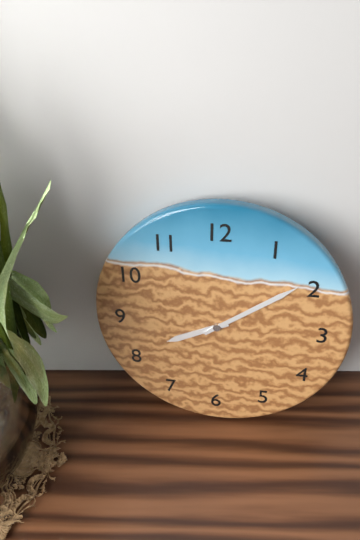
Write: 8:09
